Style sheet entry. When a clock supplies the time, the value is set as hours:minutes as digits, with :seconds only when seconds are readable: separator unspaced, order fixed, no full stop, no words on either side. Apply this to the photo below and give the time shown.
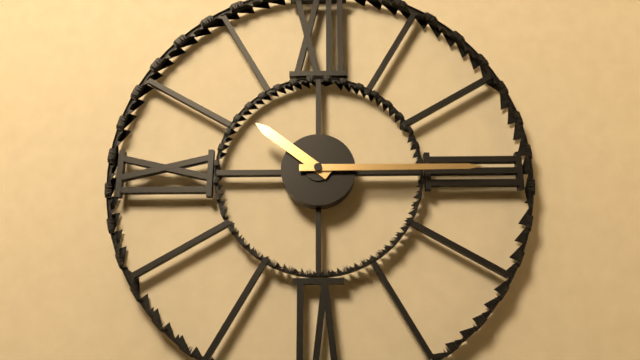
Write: 10:15
